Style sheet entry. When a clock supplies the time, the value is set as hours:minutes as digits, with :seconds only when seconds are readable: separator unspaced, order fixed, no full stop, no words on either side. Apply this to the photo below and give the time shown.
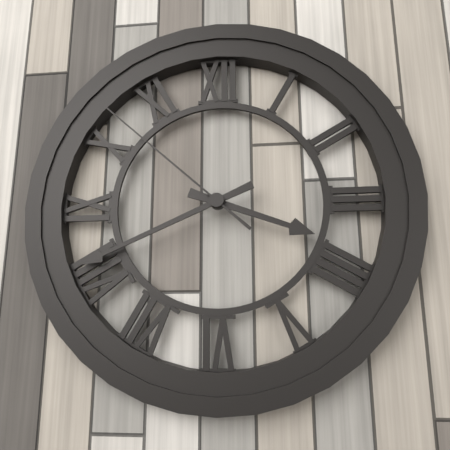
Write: 3:41:52
